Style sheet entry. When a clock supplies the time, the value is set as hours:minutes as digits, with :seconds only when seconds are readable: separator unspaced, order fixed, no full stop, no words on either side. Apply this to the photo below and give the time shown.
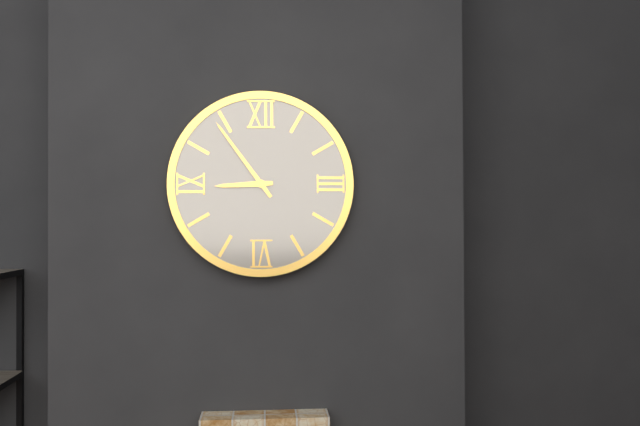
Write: 8:54
